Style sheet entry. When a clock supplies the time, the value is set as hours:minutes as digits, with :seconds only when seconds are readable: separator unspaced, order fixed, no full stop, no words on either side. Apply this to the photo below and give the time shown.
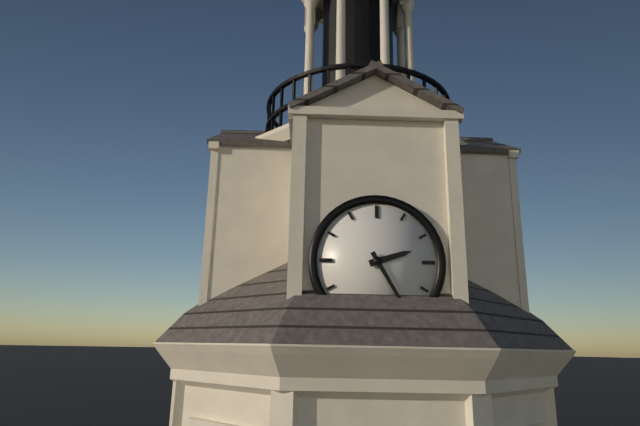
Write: 2:25
